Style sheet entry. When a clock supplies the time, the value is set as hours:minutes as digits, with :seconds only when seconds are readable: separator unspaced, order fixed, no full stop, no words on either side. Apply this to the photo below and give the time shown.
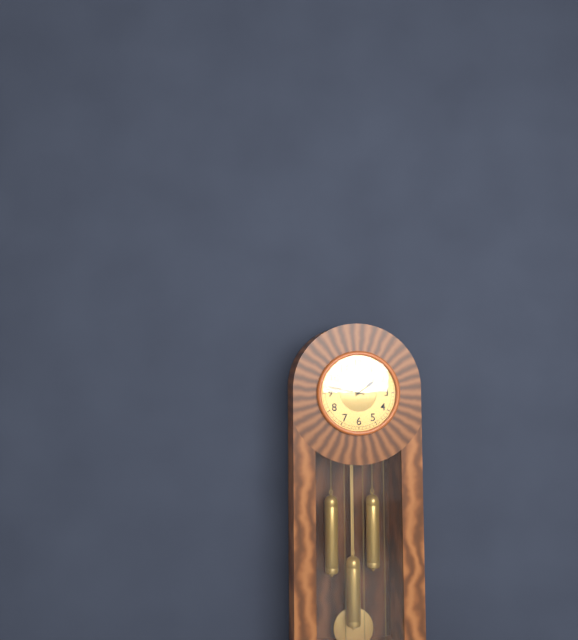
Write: 1:47
